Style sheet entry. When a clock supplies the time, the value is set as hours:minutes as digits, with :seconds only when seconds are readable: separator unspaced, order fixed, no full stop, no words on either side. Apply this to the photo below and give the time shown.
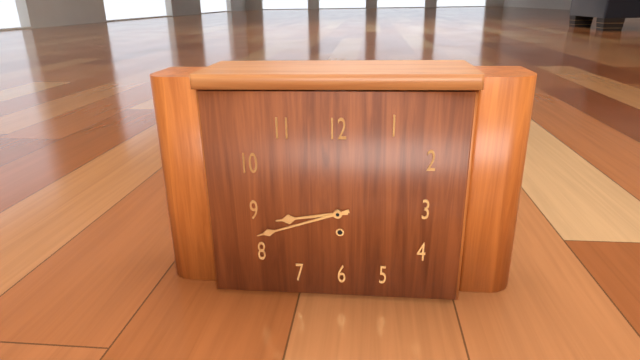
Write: 8:42
